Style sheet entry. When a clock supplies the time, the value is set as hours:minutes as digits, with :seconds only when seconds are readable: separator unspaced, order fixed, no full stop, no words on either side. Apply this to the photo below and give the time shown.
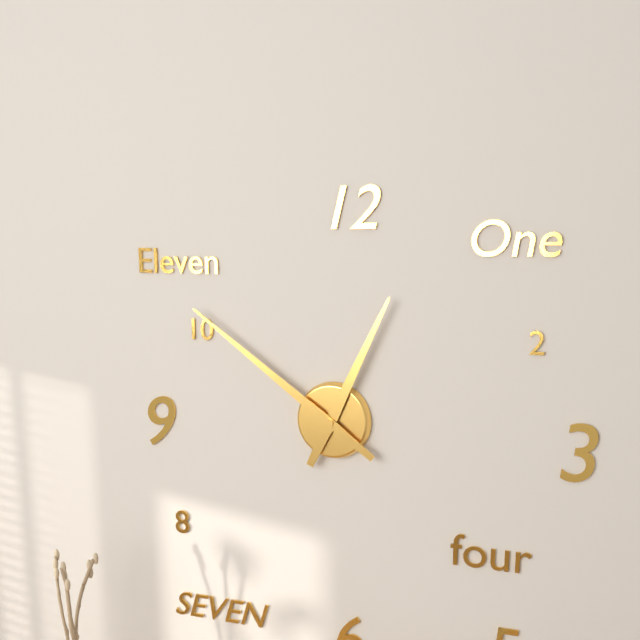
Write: 12:51
